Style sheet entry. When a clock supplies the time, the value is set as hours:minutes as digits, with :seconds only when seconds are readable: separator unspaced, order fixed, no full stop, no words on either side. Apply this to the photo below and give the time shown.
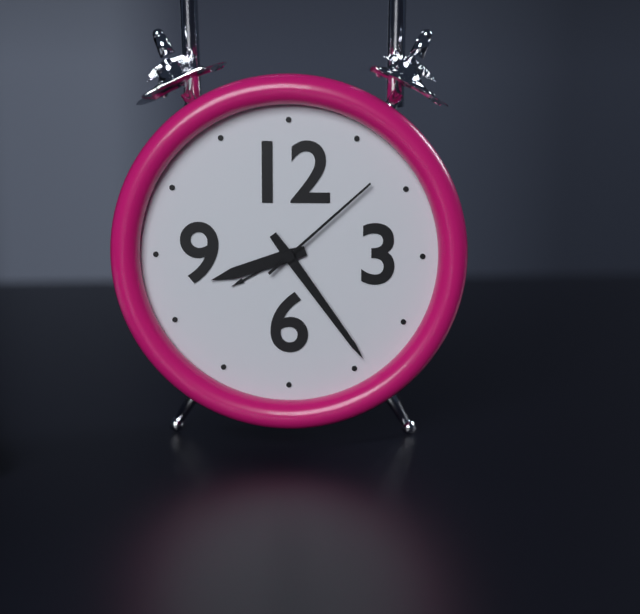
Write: 8:24:08
